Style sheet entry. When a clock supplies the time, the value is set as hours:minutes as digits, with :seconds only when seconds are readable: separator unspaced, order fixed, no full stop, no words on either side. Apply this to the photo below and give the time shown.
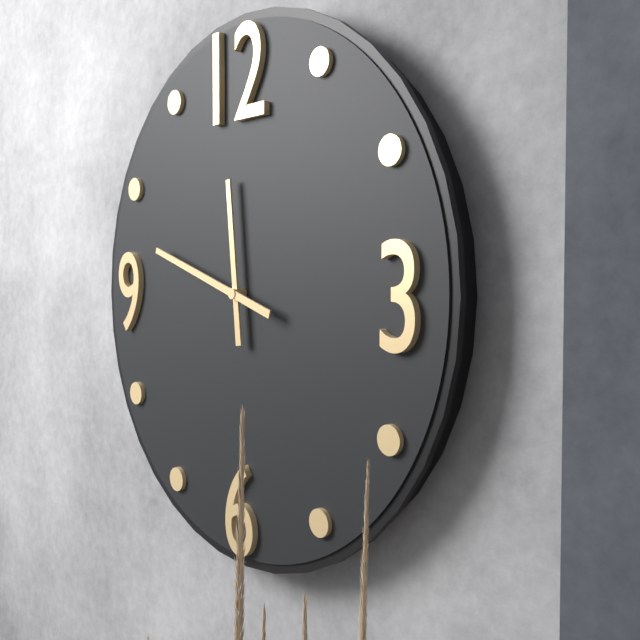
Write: 11:48
